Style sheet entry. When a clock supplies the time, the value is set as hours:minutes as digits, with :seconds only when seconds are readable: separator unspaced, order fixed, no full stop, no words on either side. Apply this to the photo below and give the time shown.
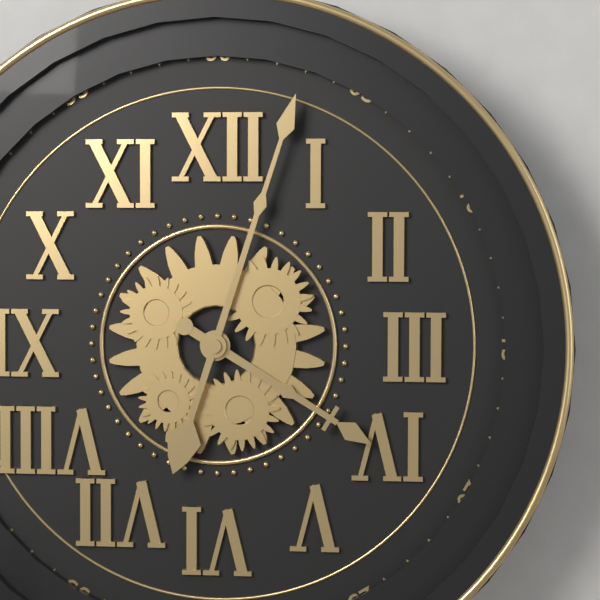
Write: 4:03
